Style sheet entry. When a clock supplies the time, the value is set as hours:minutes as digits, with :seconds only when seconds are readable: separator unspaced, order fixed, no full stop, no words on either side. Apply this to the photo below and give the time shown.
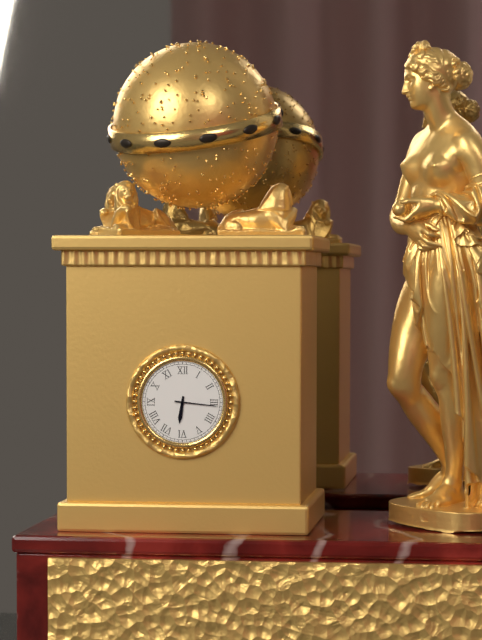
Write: 6:16
